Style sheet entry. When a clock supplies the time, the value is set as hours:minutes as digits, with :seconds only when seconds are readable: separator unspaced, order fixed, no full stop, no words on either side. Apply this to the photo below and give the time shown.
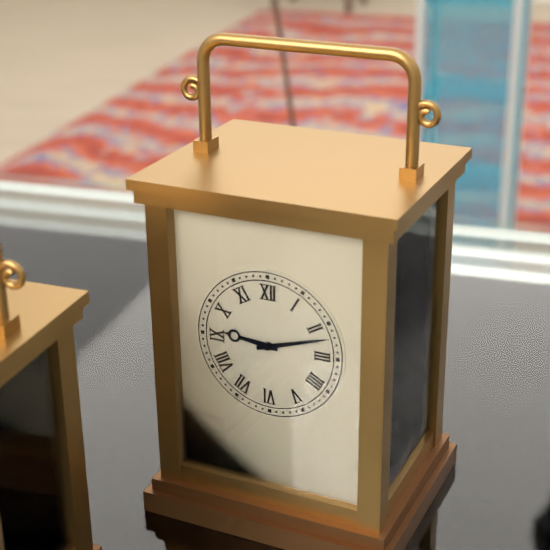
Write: 9:12
